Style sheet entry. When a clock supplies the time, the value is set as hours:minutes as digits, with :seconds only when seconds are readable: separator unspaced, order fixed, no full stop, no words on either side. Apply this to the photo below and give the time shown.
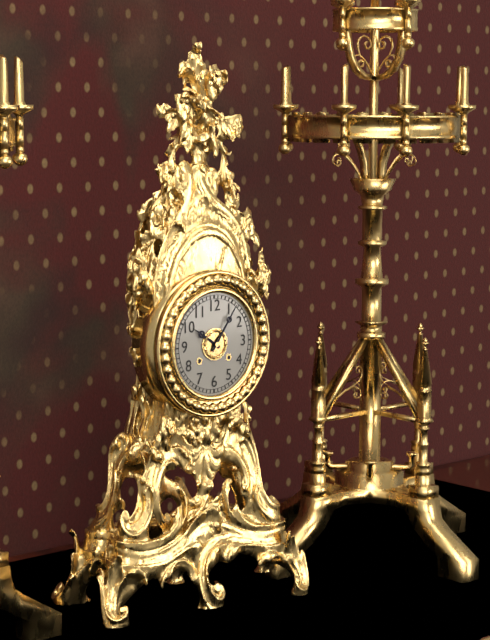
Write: 10:06
